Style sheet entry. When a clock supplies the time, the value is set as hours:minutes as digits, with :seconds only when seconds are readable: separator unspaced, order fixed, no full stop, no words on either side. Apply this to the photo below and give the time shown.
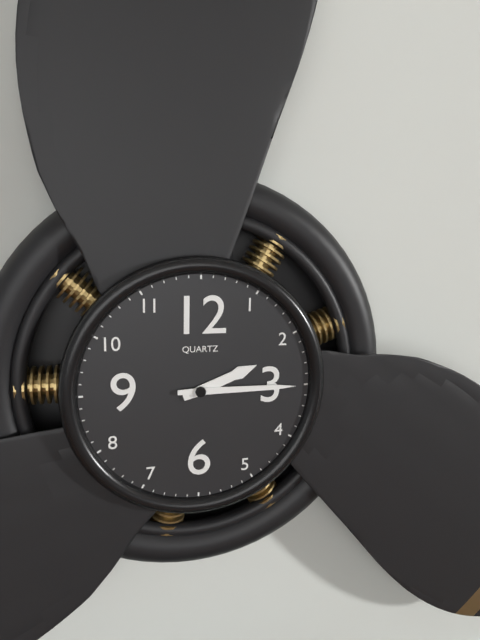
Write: 2:15
